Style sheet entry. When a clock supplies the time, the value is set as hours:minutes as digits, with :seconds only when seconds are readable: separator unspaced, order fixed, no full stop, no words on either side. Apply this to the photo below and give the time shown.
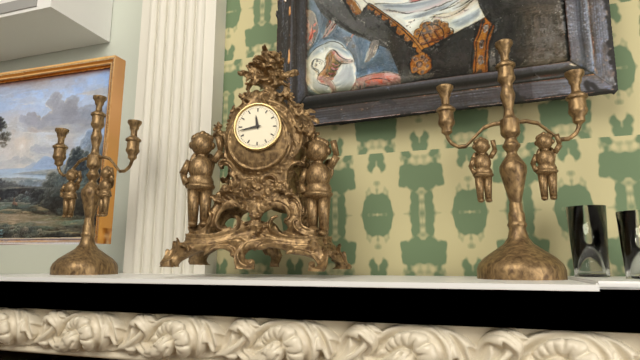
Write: 11:43
